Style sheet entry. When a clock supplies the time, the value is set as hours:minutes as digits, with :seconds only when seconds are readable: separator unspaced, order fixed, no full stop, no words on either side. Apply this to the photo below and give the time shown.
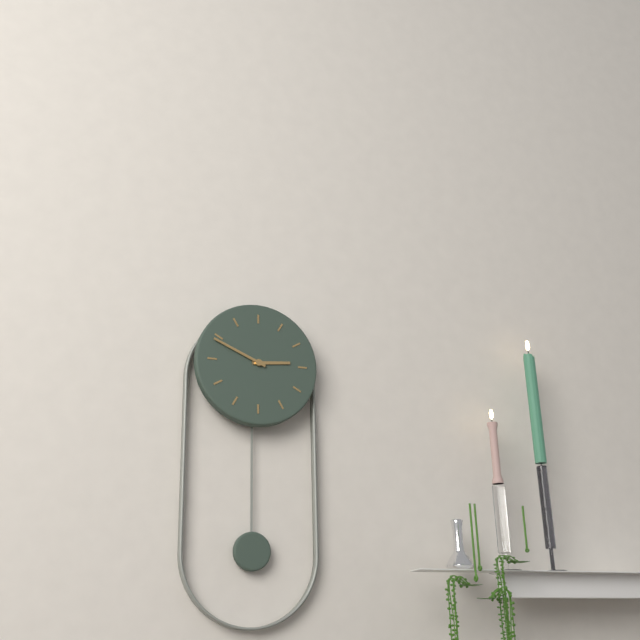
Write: 2:49
